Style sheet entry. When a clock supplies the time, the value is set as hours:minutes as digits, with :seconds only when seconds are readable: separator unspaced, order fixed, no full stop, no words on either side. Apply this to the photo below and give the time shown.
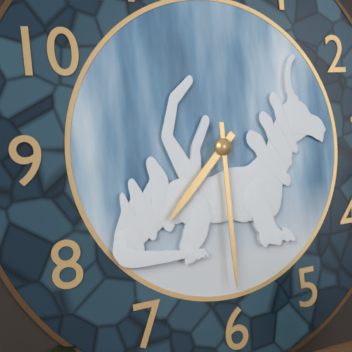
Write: 7:30
